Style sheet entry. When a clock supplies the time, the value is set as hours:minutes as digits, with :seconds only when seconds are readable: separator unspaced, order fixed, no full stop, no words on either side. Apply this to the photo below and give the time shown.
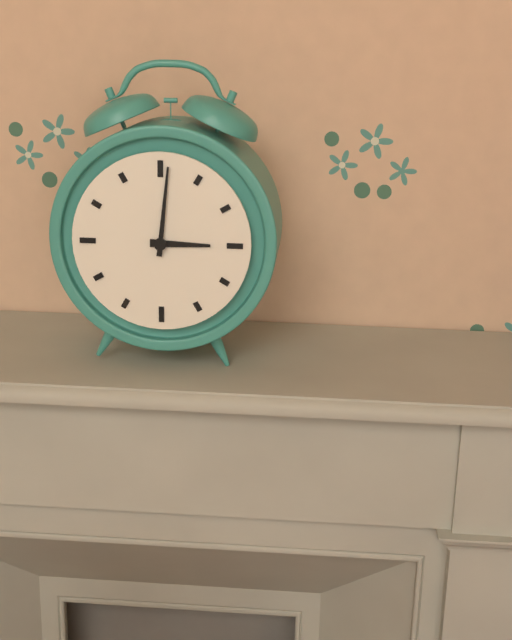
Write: 3:01
